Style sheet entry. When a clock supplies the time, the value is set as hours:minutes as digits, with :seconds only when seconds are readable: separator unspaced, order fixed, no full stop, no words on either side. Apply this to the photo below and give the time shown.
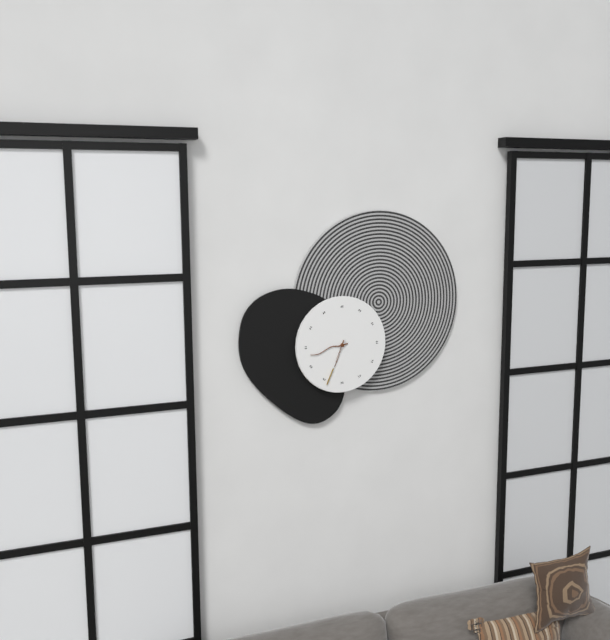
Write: 6:43:34
